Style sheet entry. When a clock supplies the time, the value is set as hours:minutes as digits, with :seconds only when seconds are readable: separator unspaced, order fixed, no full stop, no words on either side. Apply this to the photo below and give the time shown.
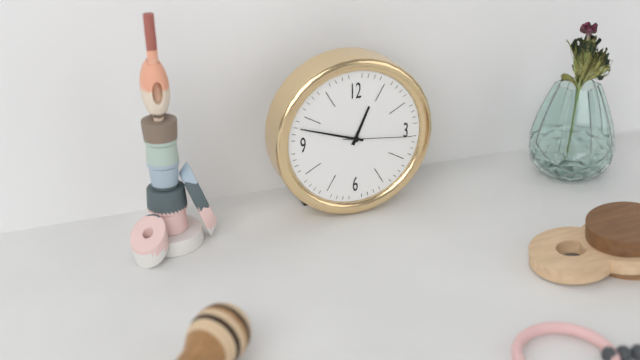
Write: 12:48:16
